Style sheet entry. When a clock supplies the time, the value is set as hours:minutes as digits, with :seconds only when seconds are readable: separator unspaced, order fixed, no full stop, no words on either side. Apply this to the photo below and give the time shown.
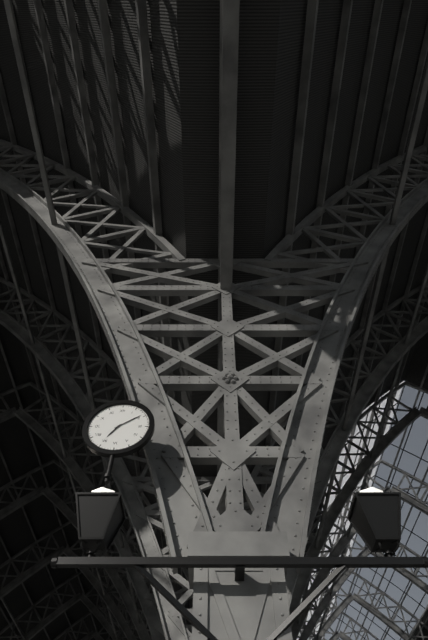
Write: 7:09
